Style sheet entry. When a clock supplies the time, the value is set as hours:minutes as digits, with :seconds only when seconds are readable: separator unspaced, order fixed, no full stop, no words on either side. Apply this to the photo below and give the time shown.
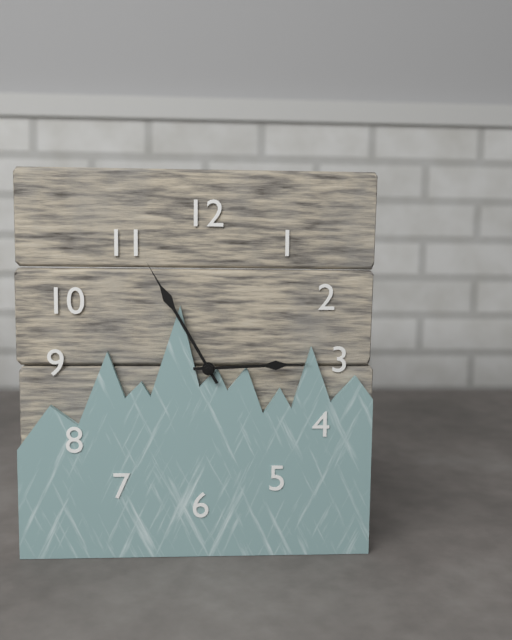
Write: 2:55
